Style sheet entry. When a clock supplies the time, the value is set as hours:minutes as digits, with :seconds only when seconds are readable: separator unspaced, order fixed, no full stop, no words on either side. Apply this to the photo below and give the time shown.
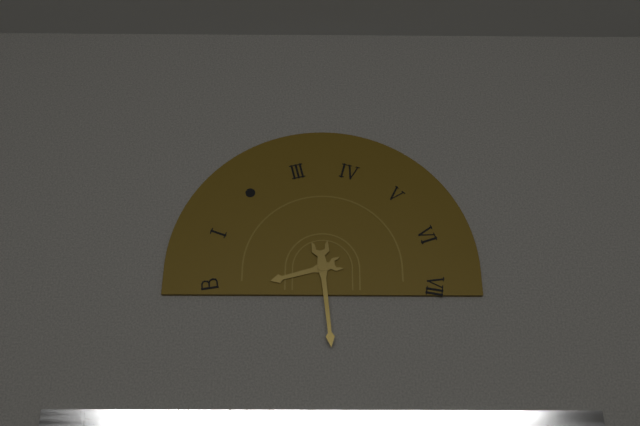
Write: 8:29
